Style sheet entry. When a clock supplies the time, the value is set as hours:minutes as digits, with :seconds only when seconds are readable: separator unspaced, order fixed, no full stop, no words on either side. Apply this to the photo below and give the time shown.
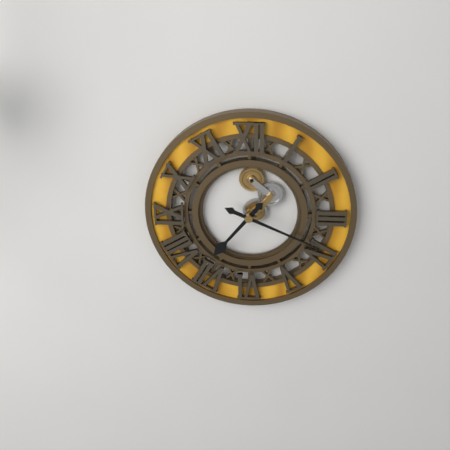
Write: 7:19
